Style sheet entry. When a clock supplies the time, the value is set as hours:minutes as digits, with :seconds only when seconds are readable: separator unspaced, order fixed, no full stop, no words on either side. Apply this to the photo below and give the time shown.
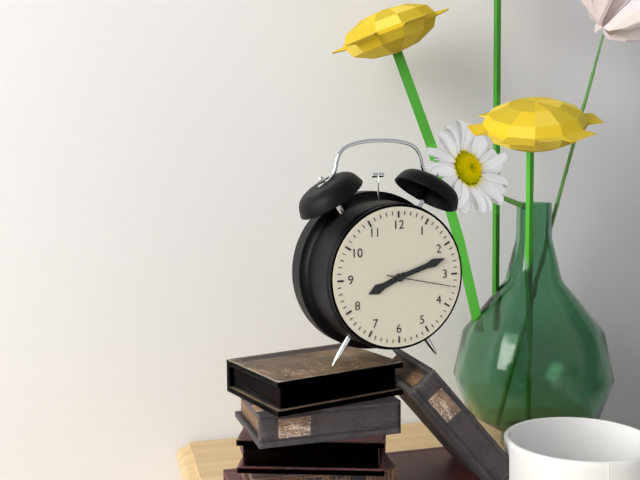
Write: 8:12:17
